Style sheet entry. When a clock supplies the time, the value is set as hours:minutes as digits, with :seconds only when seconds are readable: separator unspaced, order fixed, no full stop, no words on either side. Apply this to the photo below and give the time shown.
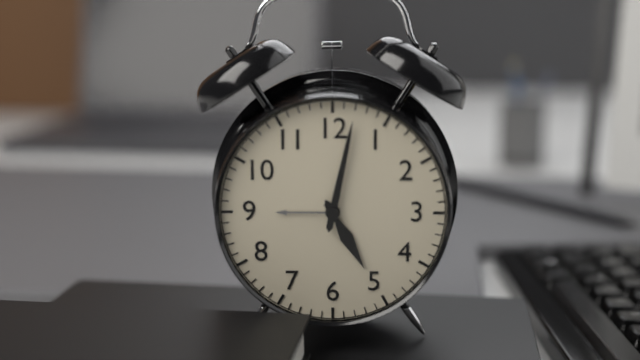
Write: 5:02
